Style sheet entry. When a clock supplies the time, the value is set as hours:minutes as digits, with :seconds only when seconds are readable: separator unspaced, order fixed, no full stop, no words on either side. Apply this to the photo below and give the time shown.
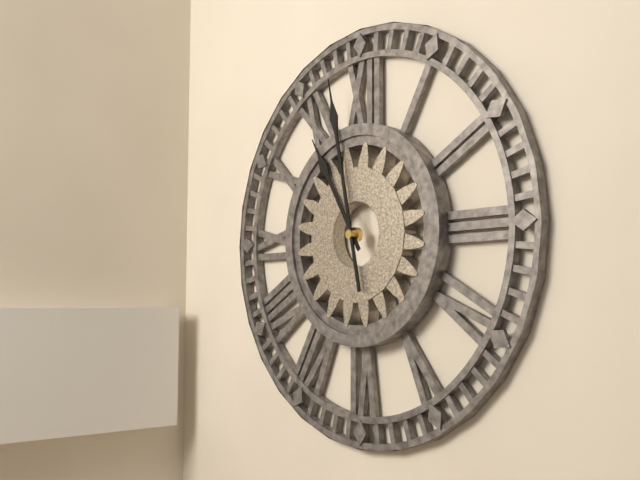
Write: 10:58
